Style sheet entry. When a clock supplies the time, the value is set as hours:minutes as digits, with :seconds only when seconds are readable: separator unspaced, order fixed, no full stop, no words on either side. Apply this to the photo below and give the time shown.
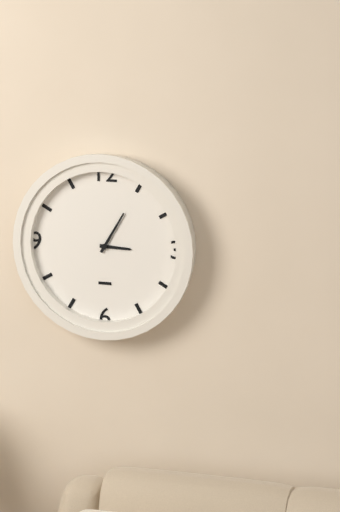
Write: 3:05
